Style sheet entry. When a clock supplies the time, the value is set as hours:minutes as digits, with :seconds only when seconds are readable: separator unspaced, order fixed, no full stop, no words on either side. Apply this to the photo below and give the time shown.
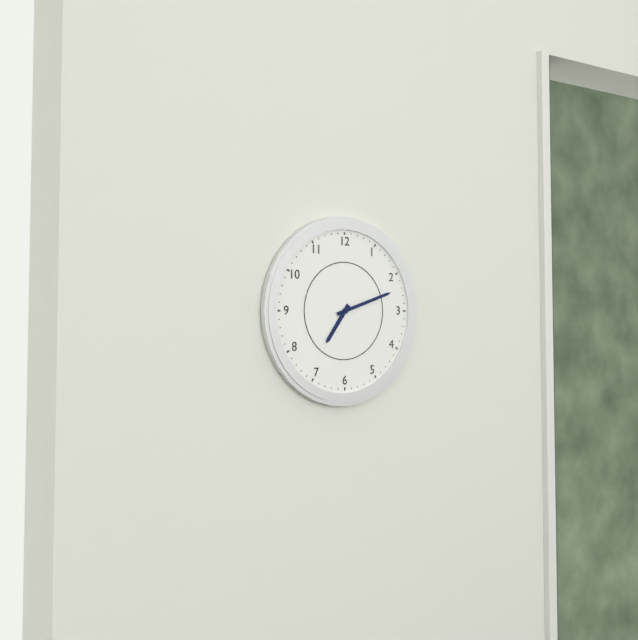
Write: 7:12
